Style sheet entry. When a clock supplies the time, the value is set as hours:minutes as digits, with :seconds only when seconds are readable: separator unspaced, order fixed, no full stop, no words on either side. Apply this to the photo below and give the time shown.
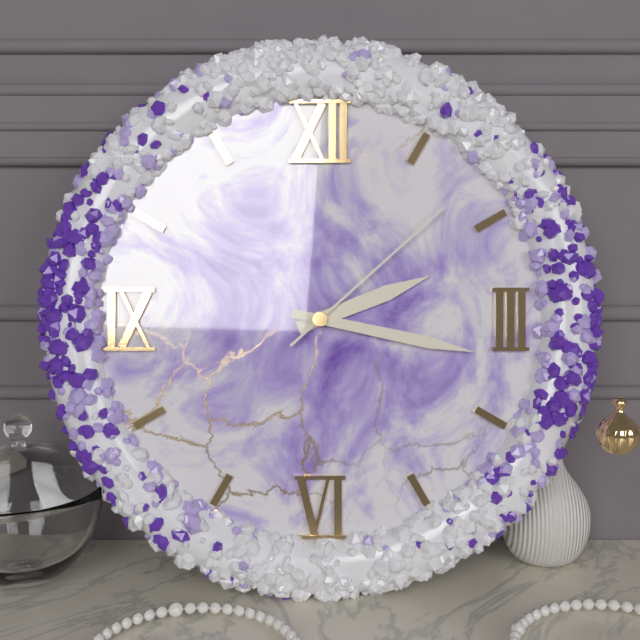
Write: 2:17:08
